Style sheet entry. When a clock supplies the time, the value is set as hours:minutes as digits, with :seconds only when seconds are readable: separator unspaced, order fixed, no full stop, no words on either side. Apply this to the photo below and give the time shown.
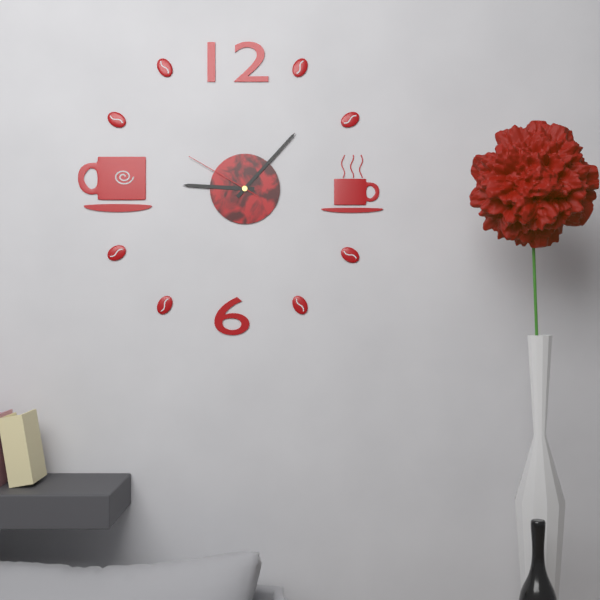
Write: 9:07:50
